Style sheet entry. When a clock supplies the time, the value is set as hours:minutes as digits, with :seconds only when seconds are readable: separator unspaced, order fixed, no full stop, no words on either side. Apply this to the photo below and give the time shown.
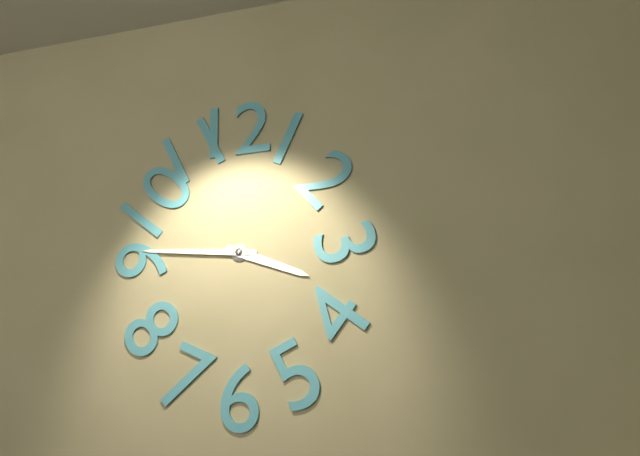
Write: 3:46
